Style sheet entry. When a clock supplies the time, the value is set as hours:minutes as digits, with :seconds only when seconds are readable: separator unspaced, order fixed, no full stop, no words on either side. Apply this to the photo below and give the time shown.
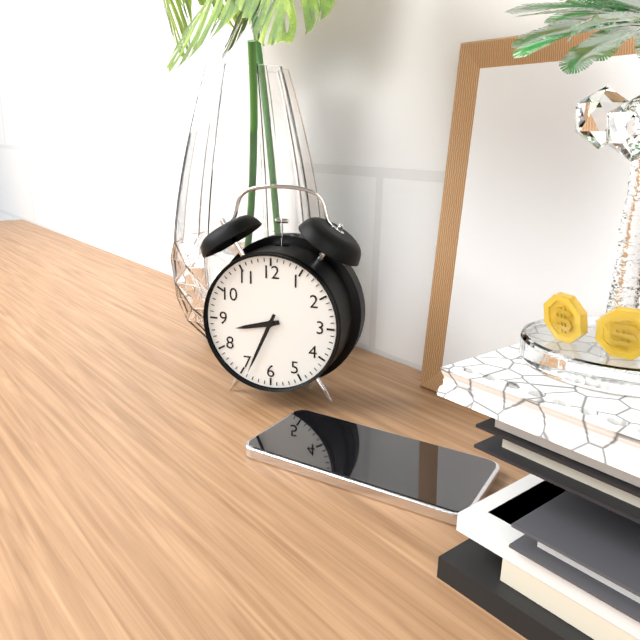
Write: 8:34
